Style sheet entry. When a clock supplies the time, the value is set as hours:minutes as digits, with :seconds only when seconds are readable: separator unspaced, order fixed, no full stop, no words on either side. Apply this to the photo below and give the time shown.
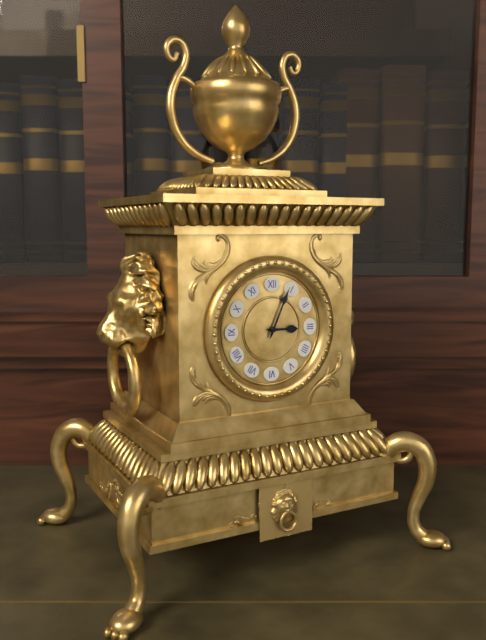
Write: 3:04
